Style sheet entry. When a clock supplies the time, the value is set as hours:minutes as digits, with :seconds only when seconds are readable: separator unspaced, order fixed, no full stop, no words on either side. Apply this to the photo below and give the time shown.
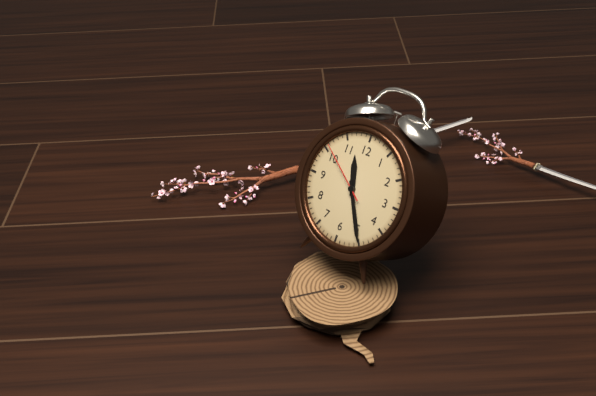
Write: 11:25:51
